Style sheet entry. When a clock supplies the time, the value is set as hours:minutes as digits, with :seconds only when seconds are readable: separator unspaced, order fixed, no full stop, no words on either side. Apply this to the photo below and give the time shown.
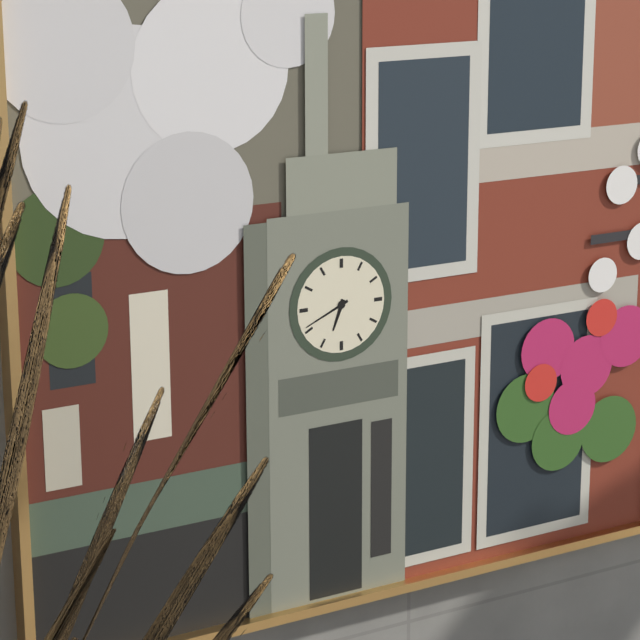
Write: 6:41
